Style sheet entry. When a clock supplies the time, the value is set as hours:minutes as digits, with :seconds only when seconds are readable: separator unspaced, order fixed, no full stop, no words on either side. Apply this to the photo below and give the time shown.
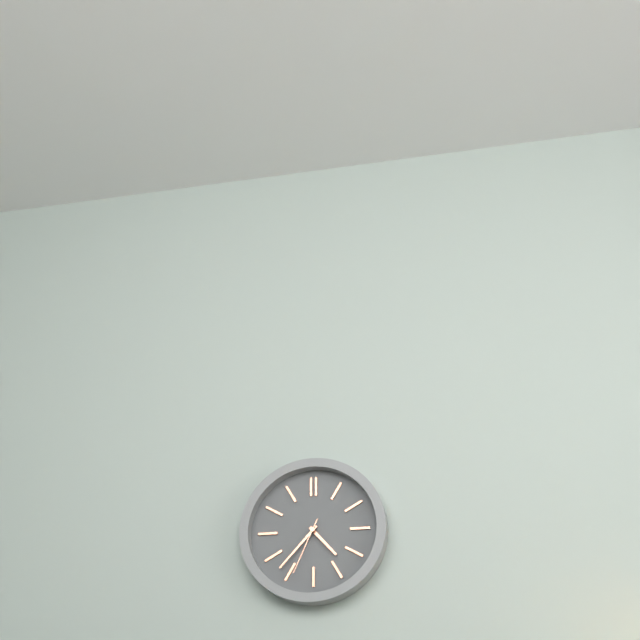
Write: 4:37:34
